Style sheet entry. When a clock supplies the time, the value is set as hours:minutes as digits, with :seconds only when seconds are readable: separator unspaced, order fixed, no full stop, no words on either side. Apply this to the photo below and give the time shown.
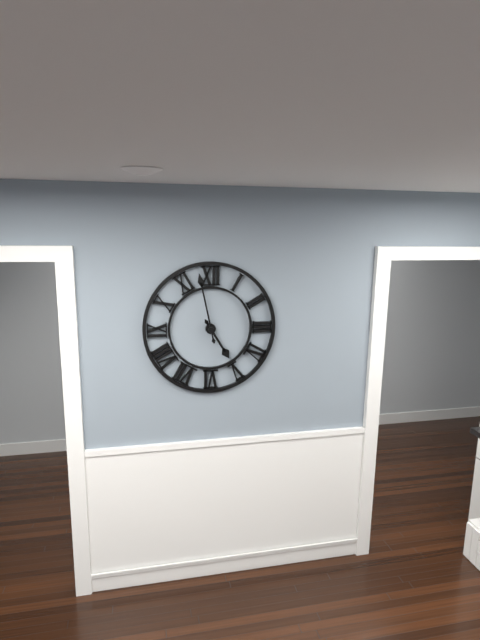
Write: 4:58
